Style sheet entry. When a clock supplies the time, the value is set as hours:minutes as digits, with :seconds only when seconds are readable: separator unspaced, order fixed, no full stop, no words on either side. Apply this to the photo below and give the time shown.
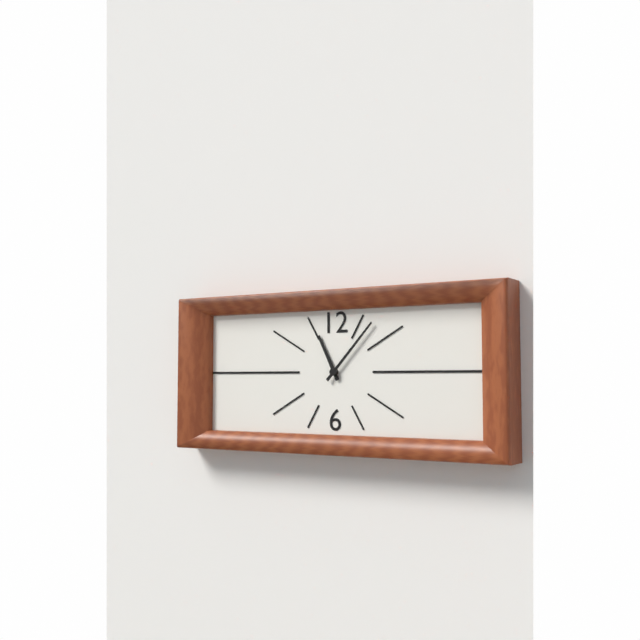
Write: 11:07
